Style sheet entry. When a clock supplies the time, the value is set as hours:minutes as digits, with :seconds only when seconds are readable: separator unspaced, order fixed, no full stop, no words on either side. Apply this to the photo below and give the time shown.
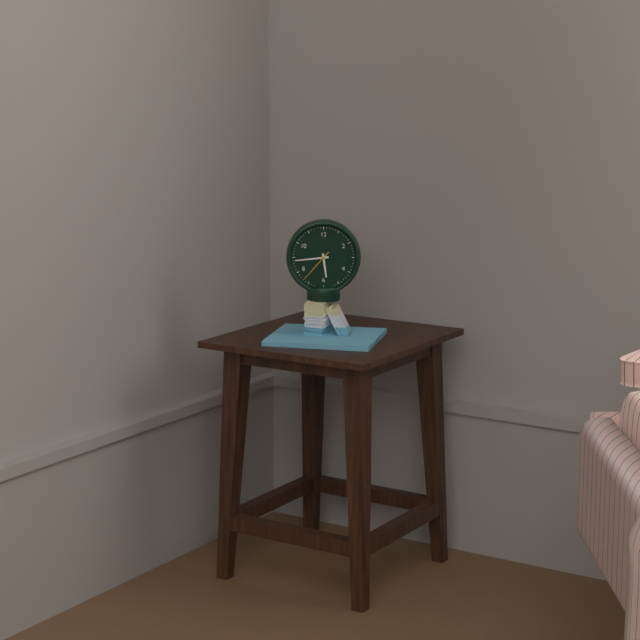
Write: 5:44
